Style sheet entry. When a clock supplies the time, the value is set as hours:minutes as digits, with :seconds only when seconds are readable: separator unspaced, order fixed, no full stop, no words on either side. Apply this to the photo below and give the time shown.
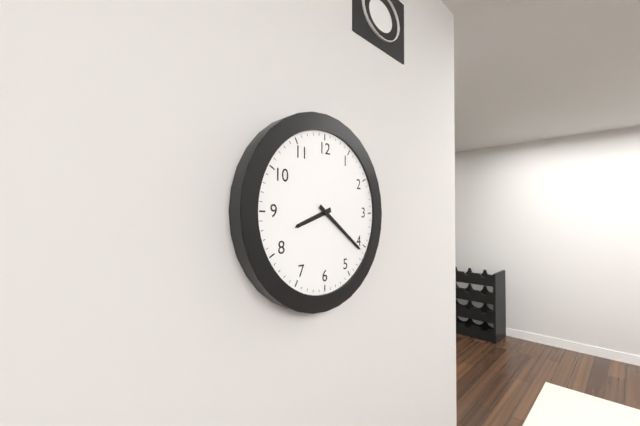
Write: 8:21
